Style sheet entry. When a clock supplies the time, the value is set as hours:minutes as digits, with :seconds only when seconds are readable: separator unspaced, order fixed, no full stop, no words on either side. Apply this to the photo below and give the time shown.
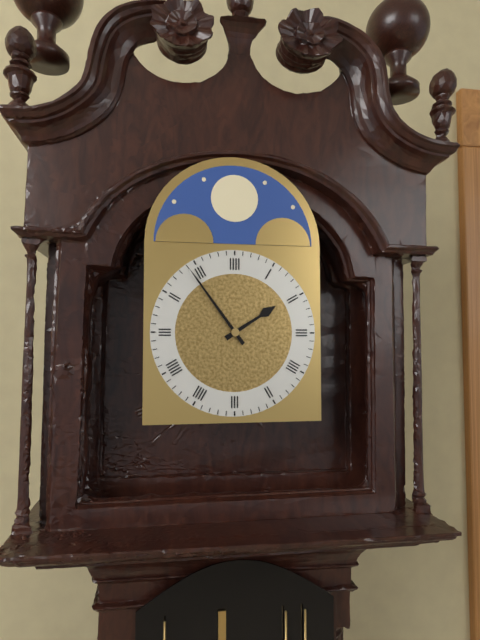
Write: 1:54
